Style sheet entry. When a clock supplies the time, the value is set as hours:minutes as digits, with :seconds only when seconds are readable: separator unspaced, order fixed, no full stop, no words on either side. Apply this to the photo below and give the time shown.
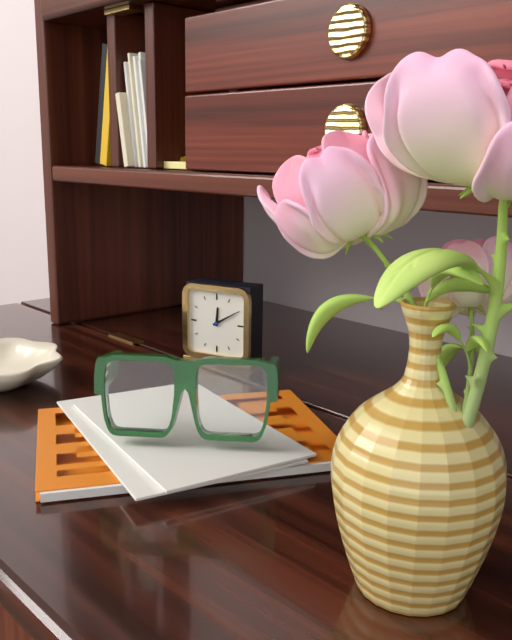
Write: 12:10
